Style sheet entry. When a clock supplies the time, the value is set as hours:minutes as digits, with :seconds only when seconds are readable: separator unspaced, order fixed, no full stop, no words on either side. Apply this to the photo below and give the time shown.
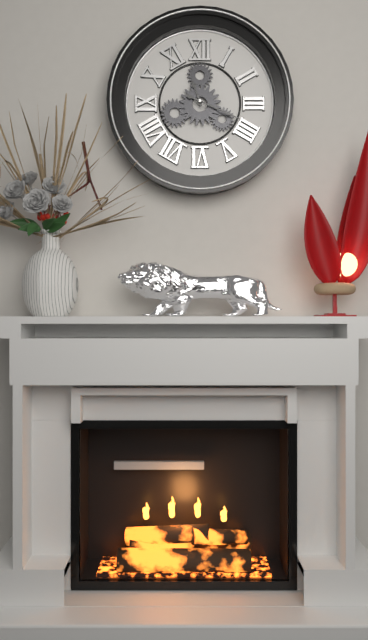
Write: 11:19
